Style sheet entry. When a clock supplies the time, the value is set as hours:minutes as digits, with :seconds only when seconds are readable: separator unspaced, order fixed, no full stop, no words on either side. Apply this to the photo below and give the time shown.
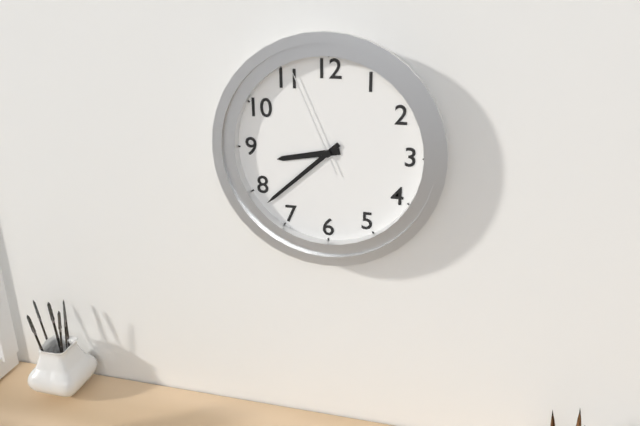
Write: 8:38:56
